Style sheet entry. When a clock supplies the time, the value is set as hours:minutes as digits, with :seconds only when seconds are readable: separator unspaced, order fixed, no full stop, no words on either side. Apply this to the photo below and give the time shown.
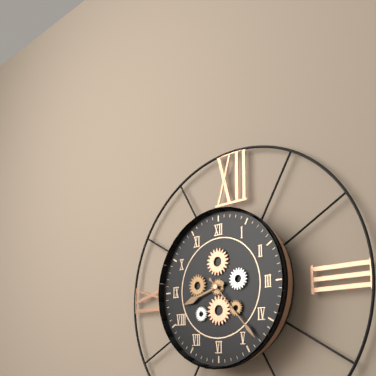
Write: 8:23
